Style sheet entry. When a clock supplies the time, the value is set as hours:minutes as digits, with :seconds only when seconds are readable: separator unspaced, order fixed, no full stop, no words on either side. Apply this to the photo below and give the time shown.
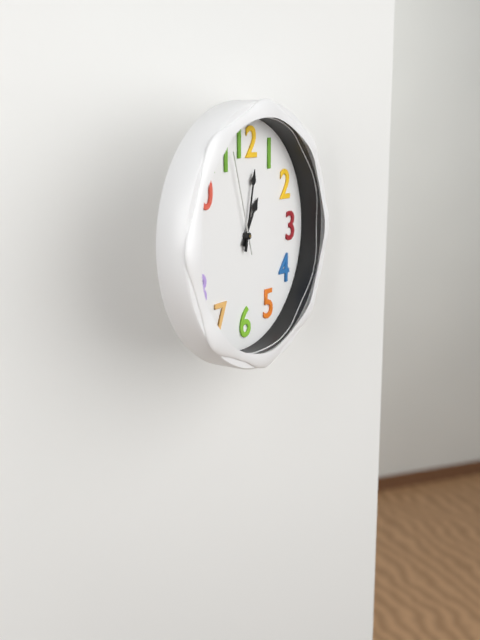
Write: 1:02:57
